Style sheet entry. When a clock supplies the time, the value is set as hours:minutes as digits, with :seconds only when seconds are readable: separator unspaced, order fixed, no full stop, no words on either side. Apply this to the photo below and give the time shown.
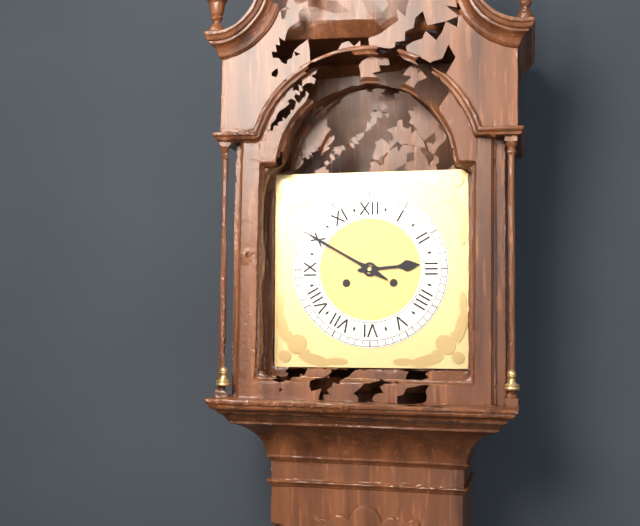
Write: 2:50
